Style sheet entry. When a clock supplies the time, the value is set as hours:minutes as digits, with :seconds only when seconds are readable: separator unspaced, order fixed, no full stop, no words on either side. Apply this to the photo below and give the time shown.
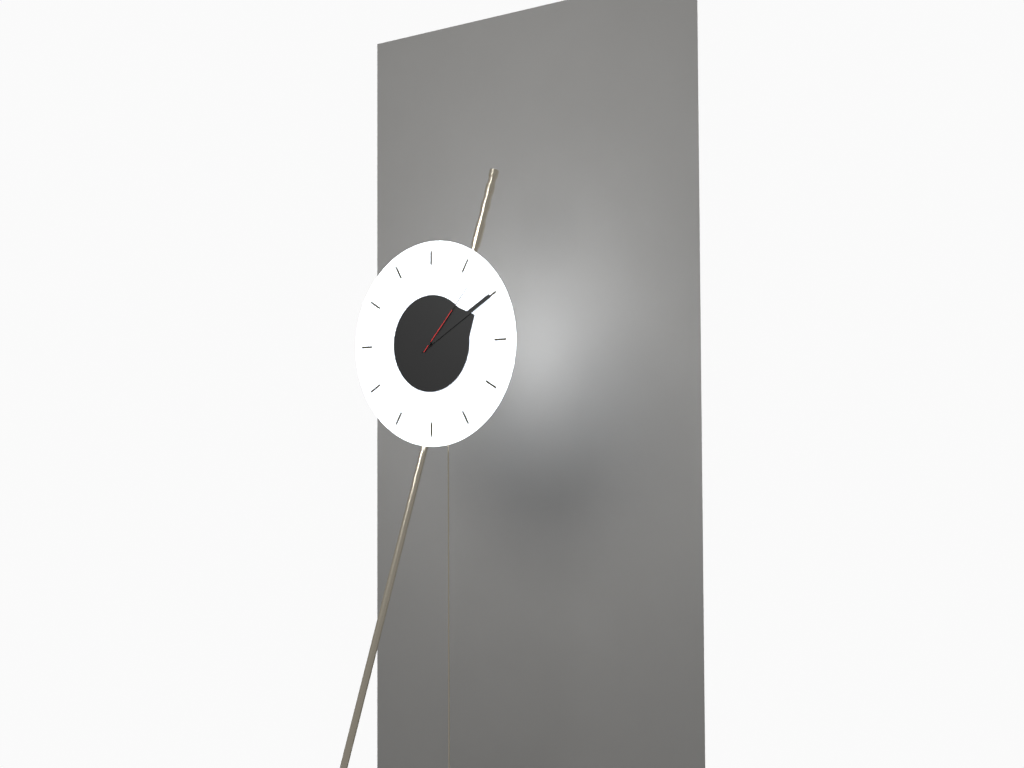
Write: 2:10:07
